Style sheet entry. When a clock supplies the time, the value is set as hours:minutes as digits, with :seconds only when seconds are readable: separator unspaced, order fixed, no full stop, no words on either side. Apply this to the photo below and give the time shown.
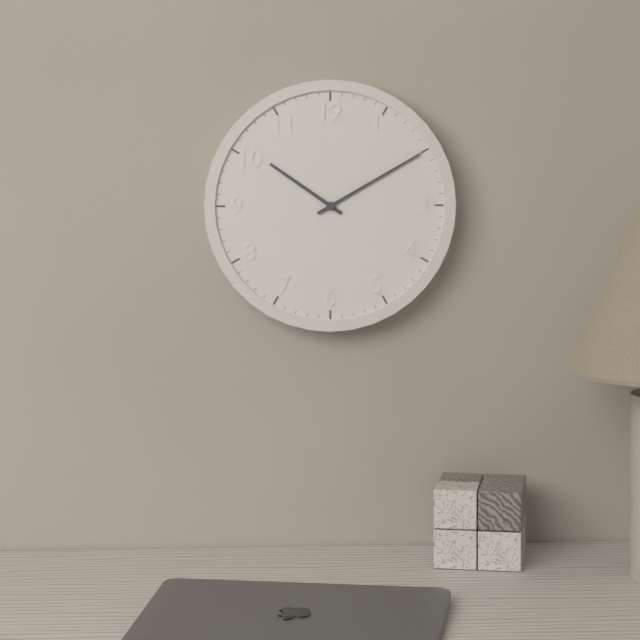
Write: 10:10
